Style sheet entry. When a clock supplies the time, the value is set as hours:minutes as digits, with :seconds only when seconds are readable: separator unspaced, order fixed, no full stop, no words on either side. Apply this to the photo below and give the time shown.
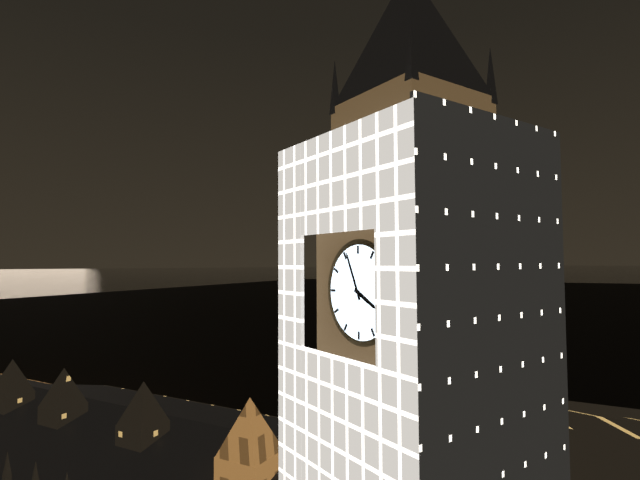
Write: 3:56
